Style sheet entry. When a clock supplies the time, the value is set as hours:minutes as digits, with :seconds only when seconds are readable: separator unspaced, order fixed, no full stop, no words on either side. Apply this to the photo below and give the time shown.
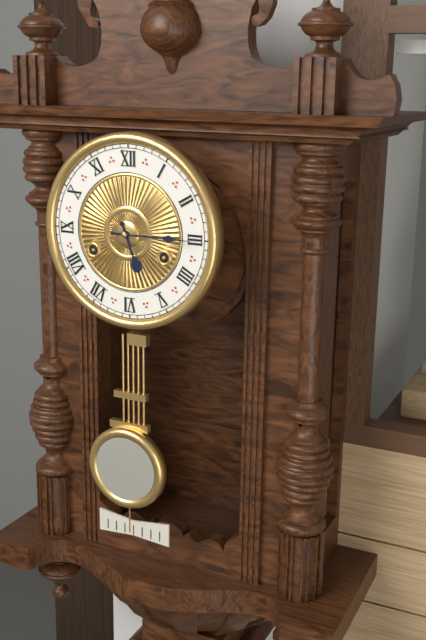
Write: 5:15
